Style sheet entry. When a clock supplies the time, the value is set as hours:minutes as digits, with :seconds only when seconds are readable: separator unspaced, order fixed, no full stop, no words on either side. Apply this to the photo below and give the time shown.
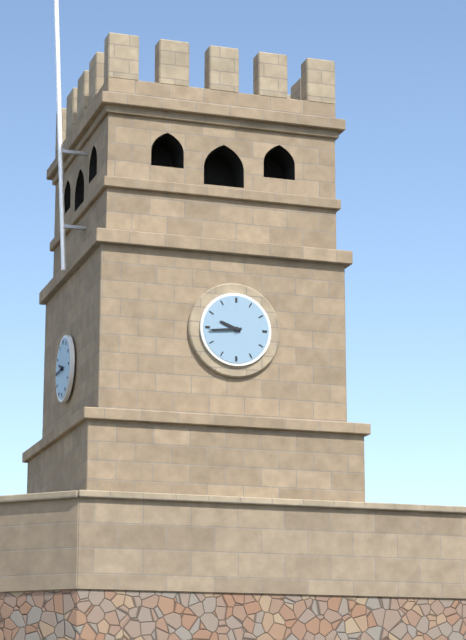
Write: 9:44
